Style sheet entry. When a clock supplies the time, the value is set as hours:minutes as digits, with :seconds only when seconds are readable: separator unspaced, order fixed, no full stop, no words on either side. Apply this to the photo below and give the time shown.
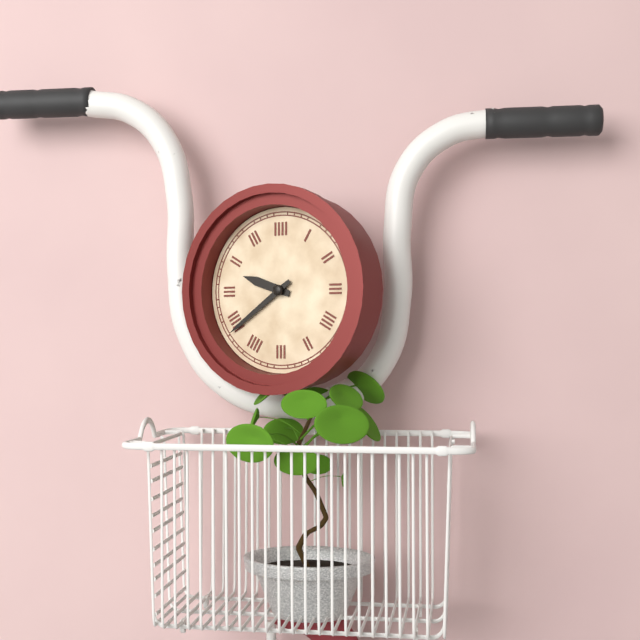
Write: 9:39
